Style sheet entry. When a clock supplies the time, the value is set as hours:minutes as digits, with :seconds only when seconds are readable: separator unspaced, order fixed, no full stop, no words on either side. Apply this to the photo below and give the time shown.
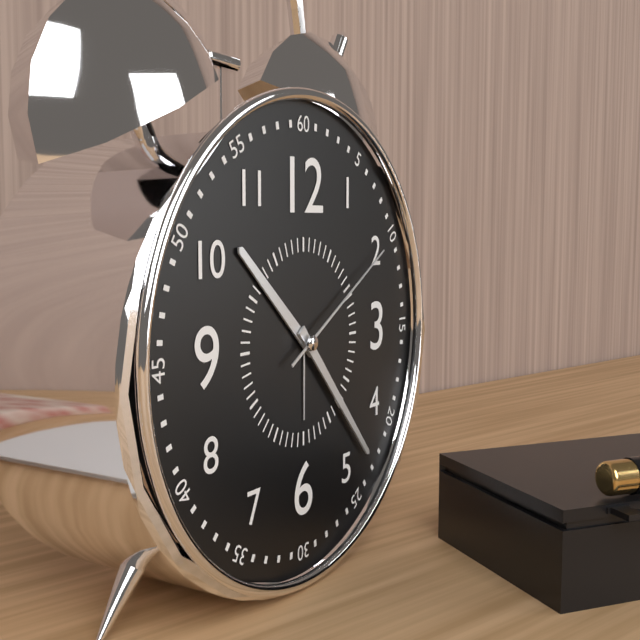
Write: 10:23:10
